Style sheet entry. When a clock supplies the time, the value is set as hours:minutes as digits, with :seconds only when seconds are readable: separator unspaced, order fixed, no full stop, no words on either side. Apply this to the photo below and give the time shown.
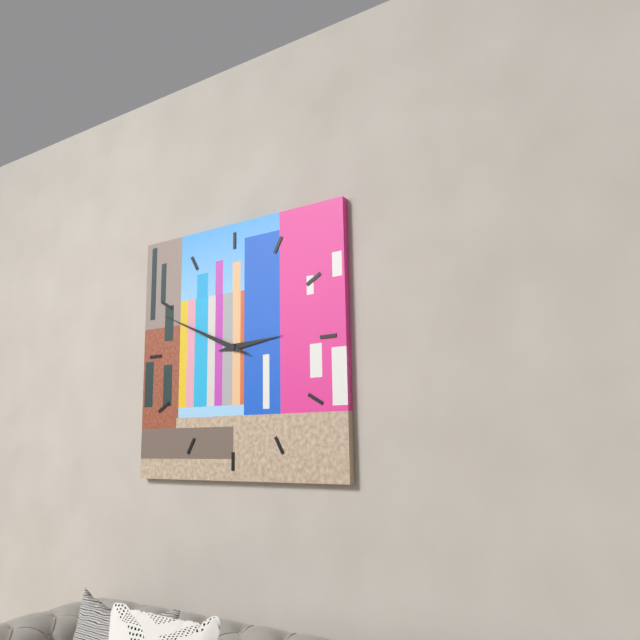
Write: 2:49
